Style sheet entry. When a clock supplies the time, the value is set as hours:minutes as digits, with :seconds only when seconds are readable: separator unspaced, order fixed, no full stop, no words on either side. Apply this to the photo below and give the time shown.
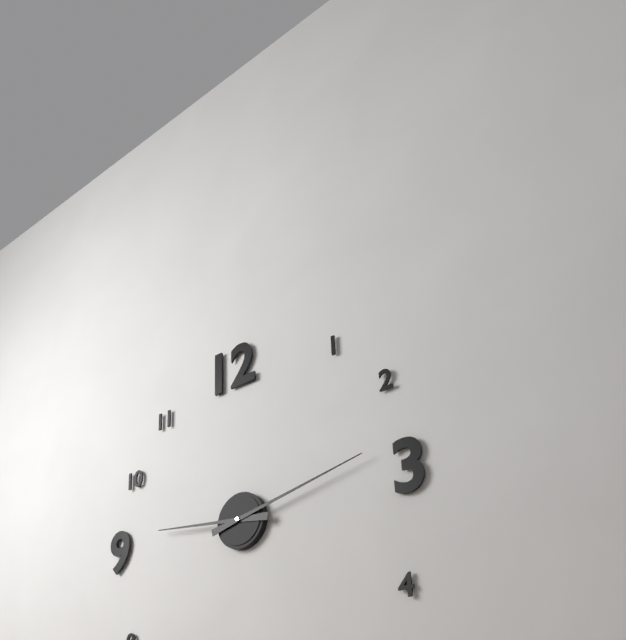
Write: 9:13
